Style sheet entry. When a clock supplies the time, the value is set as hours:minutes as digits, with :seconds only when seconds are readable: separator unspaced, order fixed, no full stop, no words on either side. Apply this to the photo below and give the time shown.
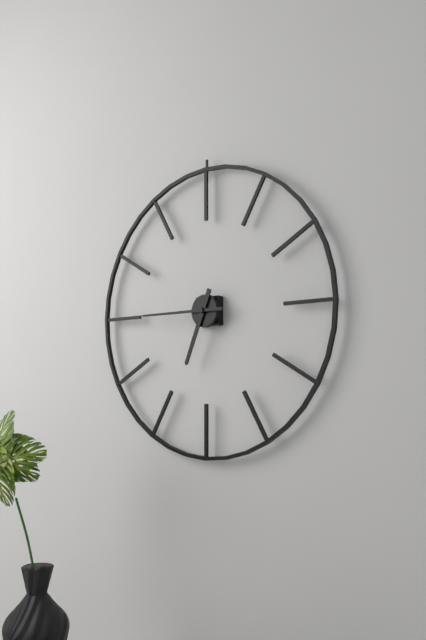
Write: 6:45
